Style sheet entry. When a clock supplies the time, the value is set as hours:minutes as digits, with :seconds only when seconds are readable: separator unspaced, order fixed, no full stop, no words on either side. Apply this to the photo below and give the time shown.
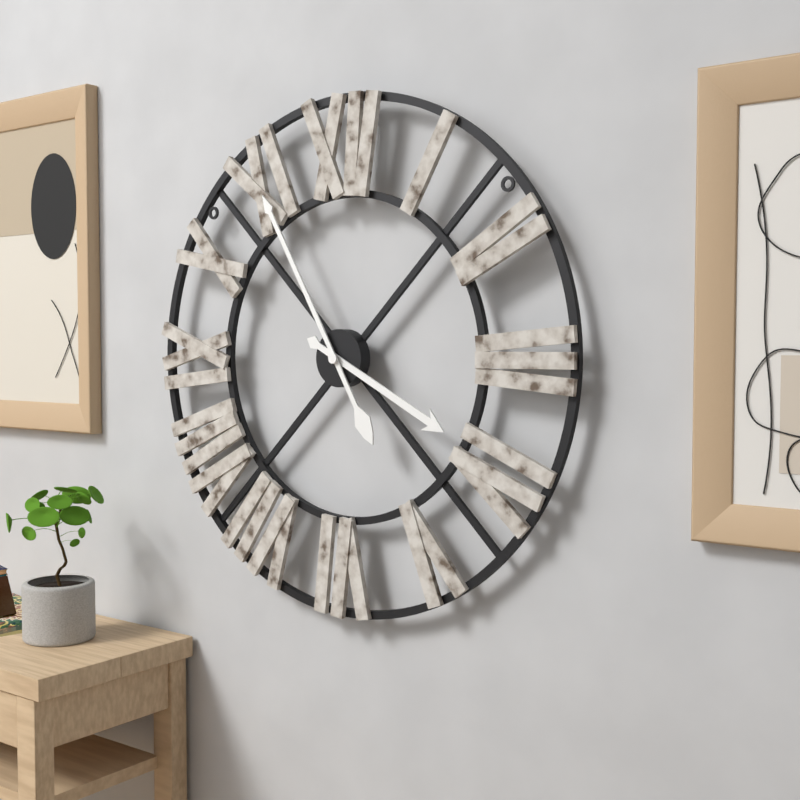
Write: 3:55
